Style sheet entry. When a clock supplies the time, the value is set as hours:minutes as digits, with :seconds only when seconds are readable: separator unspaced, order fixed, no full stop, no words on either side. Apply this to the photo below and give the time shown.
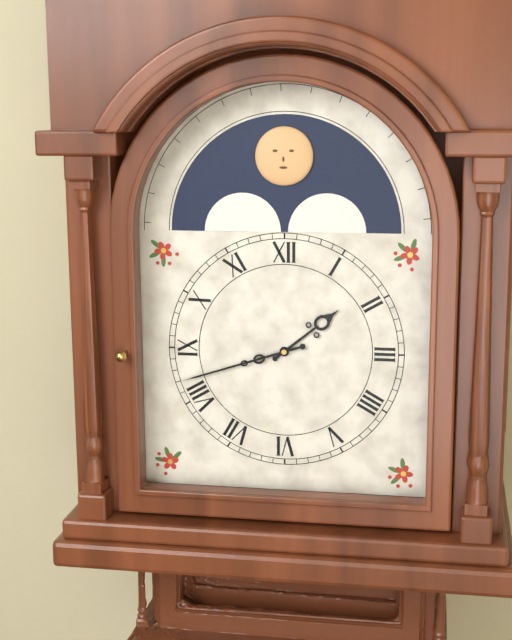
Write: 1:42
